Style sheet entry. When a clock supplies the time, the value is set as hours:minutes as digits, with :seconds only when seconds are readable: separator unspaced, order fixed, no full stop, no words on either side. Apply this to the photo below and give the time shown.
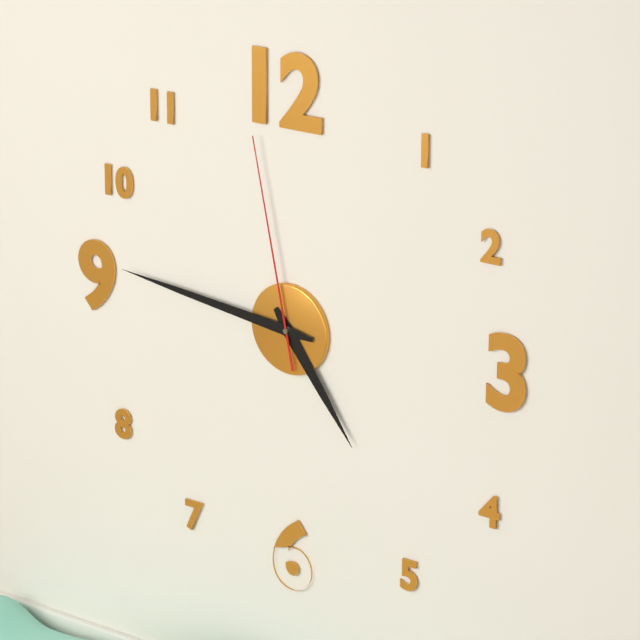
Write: 4:46:58
